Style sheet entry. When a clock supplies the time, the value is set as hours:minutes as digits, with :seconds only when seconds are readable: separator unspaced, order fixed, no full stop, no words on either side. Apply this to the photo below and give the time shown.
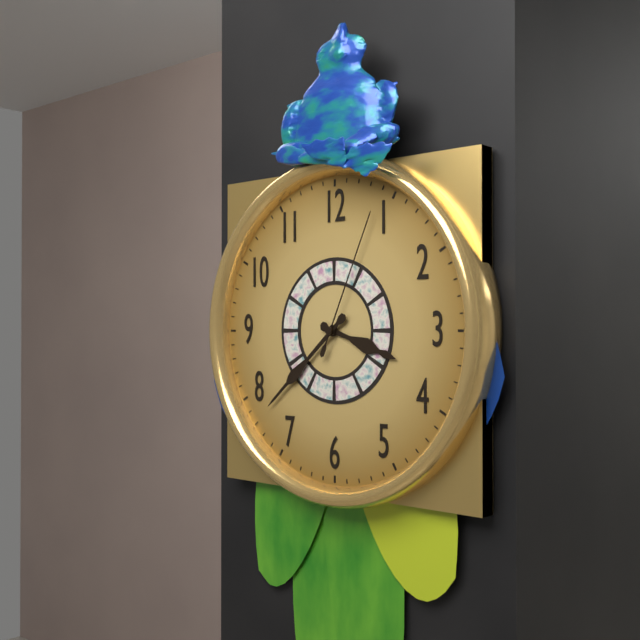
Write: 3:38:04
